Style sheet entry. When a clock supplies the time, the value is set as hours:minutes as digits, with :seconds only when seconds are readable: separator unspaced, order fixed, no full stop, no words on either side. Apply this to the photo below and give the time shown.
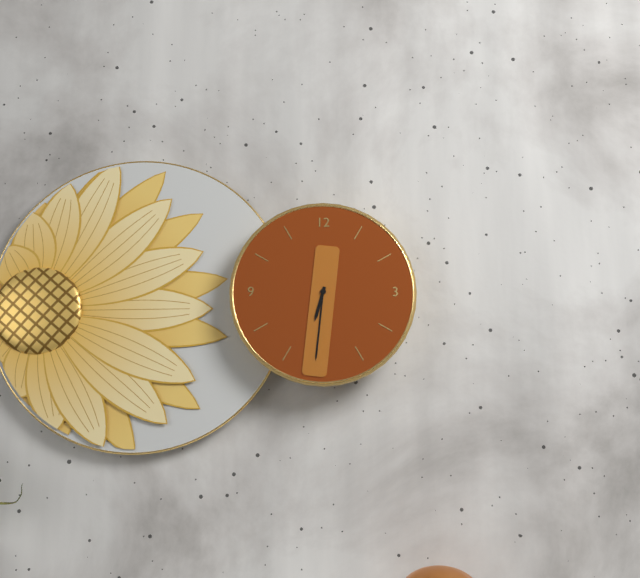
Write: 6:31
